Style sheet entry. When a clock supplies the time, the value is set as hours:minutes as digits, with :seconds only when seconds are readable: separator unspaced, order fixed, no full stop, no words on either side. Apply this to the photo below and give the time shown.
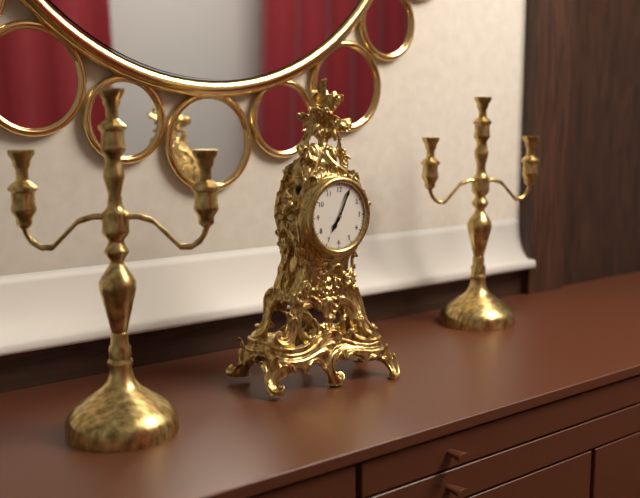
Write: 7:04
